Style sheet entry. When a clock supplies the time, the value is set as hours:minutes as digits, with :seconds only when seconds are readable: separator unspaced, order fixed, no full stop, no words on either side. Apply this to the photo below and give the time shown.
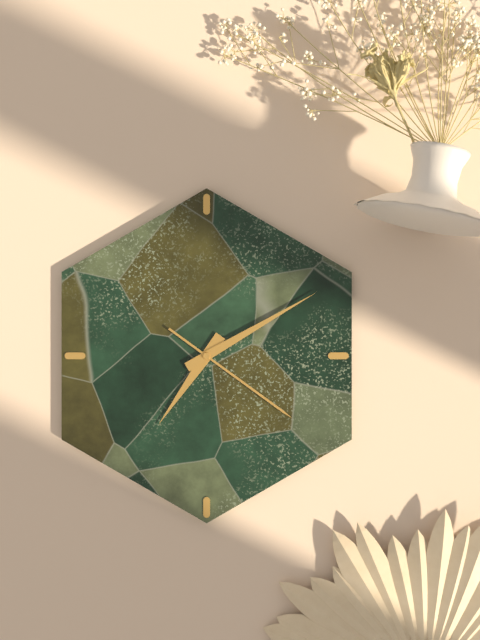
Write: 7:10:21
